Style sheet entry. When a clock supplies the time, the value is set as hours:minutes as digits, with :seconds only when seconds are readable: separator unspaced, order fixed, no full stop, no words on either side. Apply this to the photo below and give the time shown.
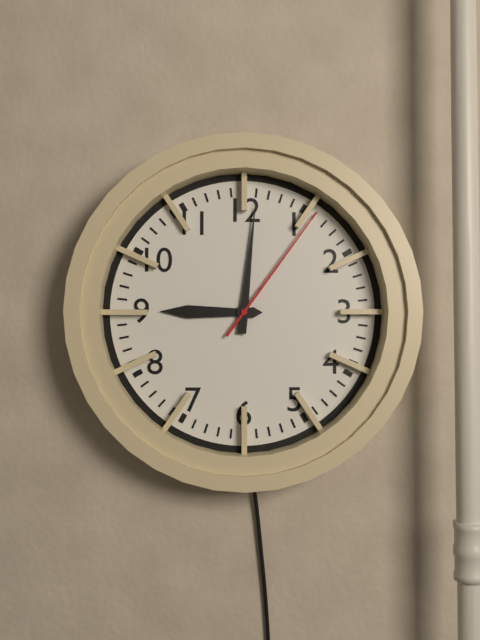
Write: 9:01:06
